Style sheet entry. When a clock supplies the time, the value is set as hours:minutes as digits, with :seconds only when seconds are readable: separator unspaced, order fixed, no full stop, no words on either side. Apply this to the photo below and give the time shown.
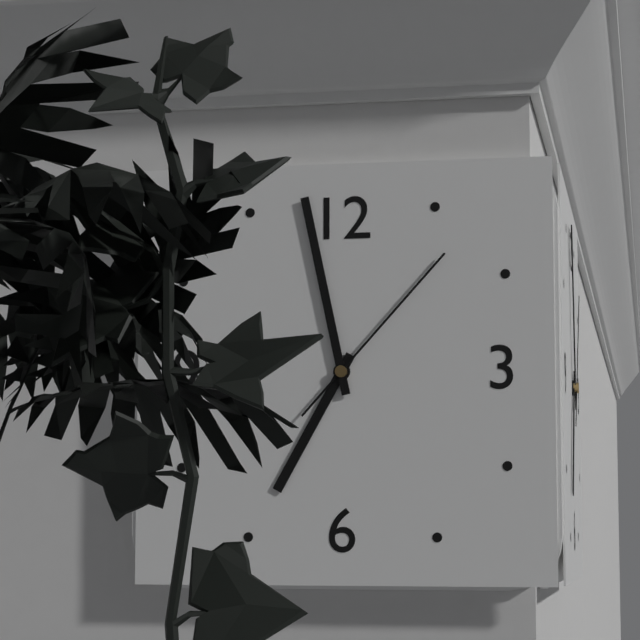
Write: 6:58:07
